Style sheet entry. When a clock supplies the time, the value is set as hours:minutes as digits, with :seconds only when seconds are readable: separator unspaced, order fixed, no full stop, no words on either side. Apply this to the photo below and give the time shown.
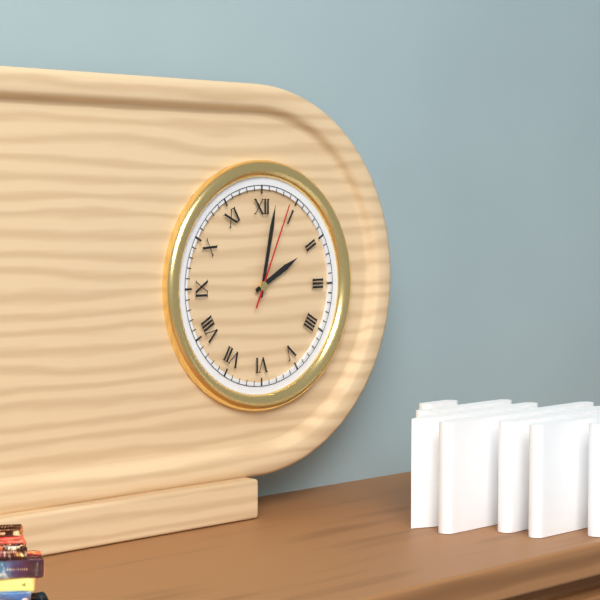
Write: 2:02:04
